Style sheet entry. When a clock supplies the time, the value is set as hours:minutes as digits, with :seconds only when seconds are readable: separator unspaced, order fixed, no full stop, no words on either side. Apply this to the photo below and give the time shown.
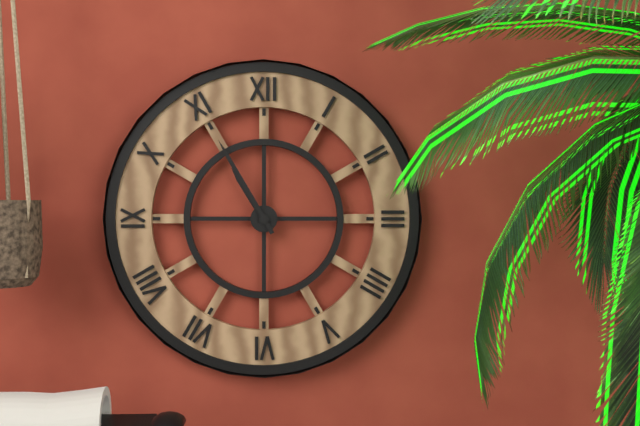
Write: 10:55
